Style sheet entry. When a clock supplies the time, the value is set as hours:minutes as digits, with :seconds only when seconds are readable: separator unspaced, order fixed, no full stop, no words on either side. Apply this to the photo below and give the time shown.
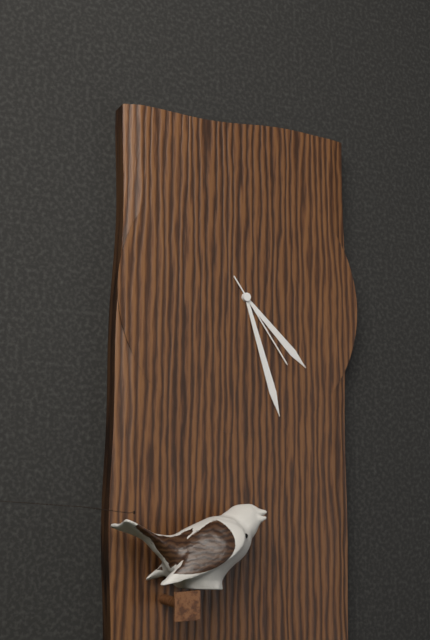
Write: 4:27:24
